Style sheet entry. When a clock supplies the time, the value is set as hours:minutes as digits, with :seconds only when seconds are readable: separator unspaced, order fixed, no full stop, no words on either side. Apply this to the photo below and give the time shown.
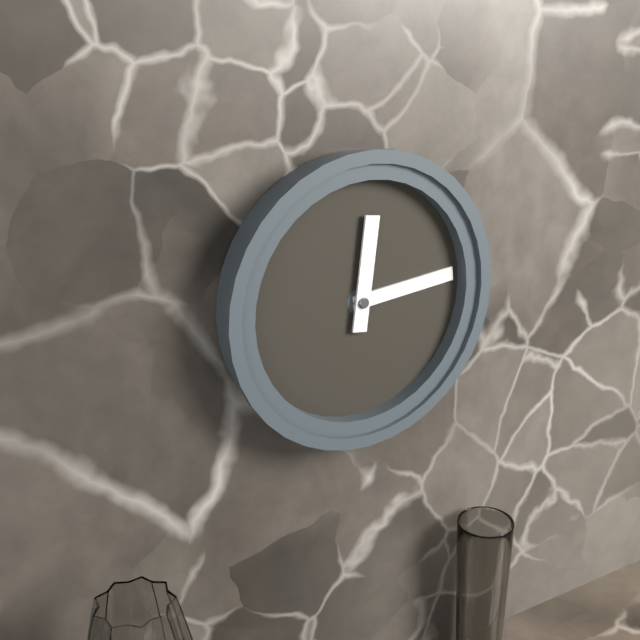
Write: 12:14
